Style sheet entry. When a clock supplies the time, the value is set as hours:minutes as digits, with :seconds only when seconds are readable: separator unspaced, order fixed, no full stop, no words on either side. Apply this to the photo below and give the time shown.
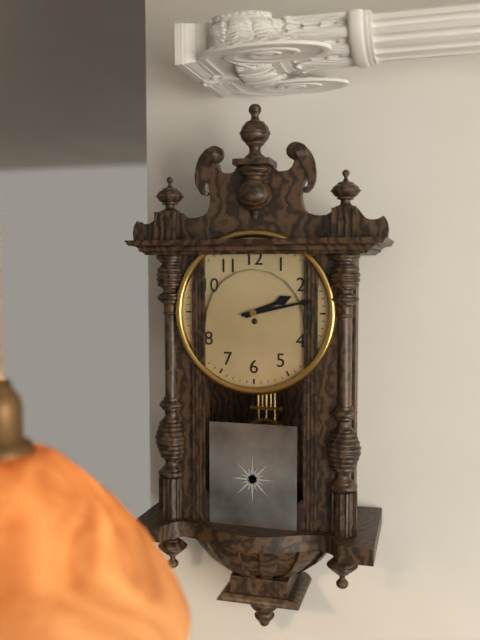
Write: 2:13
